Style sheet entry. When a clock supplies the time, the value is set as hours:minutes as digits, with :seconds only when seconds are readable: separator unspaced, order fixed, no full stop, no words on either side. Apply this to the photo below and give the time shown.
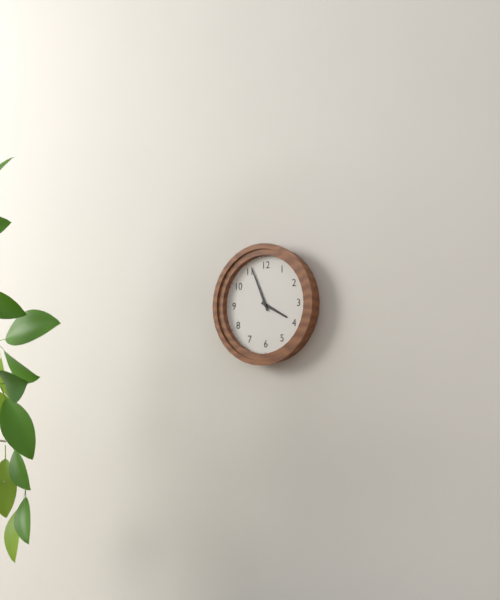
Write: 3:56
